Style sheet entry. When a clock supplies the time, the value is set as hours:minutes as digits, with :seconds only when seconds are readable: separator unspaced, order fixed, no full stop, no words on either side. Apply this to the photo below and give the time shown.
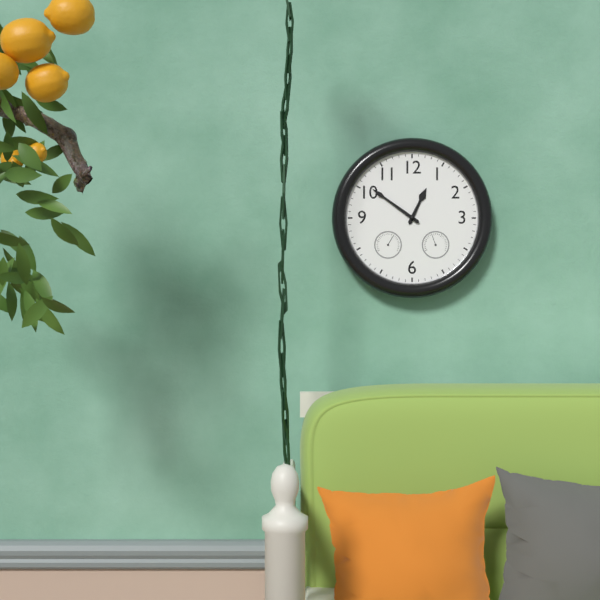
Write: 12:51
